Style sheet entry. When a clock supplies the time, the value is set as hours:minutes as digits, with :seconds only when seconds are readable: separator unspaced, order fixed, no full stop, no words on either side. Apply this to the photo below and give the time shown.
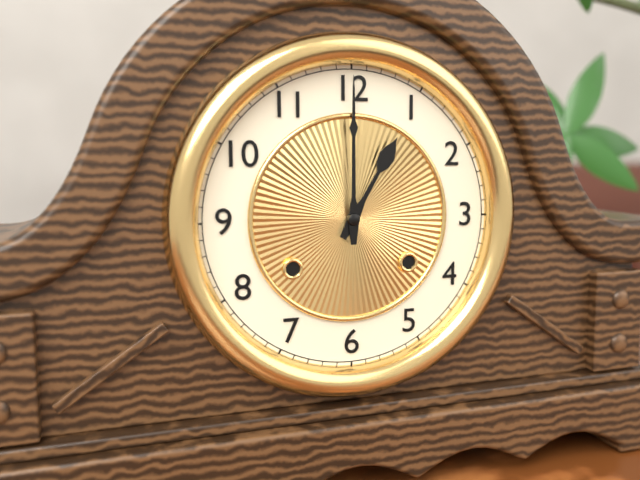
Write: 1:00
